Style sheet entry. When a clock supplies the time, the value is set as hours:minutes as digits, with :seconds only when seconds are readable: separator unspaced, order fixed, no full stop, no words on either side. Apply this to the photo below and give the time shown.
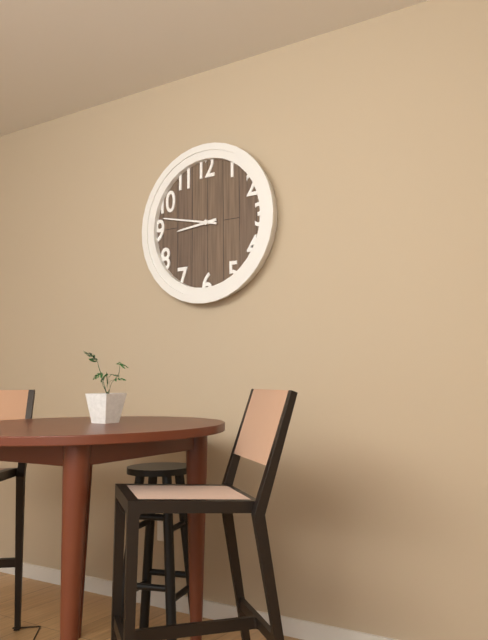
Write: 8:47
